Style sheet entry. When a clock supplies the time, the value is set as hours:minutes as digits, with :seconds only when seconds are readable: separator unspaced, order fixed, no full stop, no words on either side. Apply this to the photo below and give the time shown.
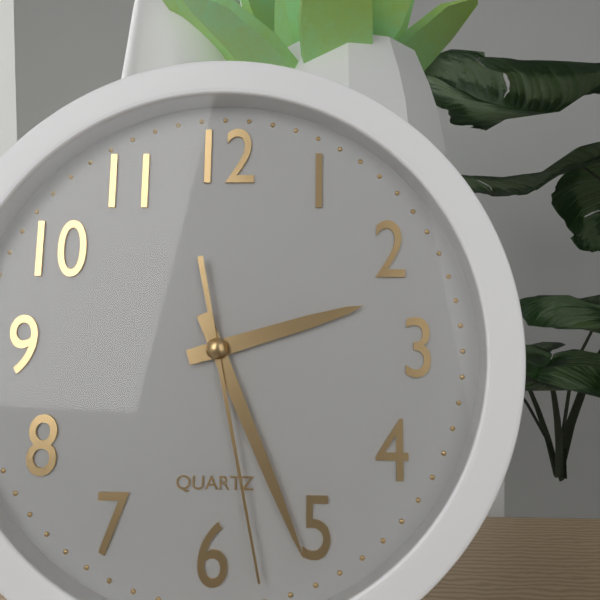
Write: 2:26:28
